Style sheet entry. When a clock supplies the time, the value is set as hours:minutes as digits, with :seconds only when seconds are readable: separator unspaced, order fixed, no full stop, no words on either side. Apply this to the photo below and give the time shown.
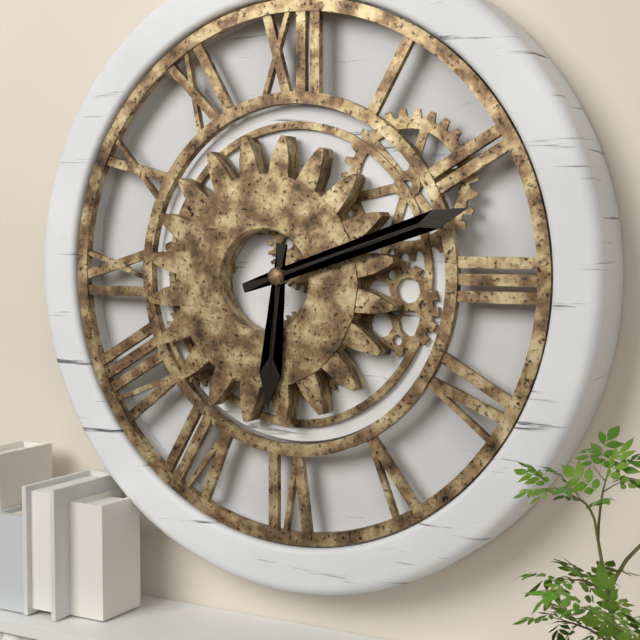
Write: 6:12
